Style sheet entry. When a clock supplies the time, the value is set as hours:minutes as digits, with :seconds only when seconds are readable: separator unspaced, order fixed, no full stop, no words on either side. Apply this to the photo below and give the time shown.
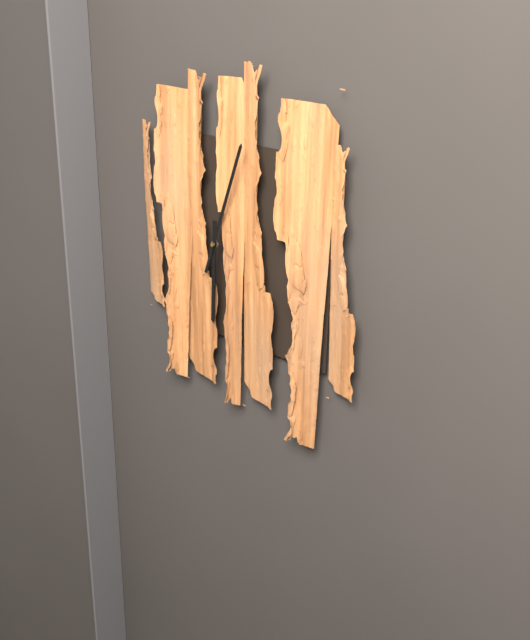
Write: 6:03
